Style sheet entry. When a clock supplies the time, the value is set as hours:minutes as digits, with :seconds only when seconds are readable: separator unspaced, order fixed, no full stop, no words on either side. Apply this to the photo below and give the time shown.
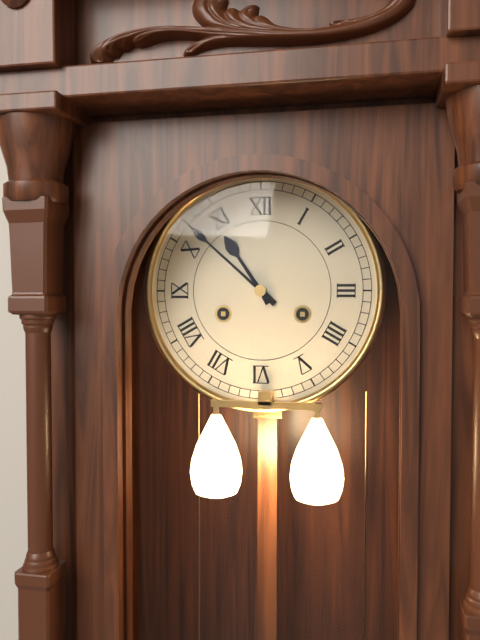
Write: 10:52
